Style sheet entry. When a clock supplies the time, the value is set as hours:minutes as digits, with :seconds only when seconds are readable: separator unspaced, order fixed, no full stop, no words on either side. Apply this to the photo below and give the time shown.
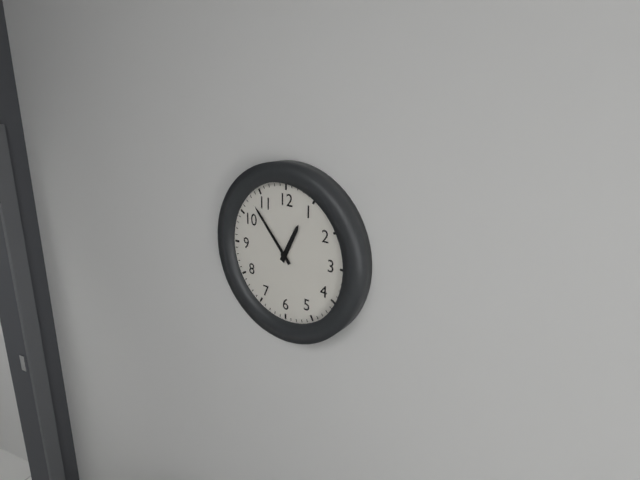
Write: 12:53
